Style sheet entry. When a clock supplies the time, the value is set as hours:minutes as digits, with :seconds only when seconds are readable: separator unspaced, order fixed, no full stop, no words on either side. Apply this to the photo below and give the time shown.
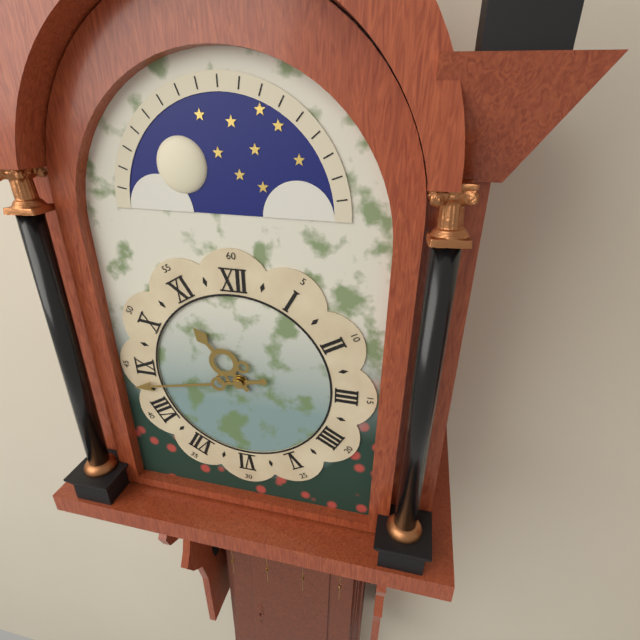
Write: 10:43
